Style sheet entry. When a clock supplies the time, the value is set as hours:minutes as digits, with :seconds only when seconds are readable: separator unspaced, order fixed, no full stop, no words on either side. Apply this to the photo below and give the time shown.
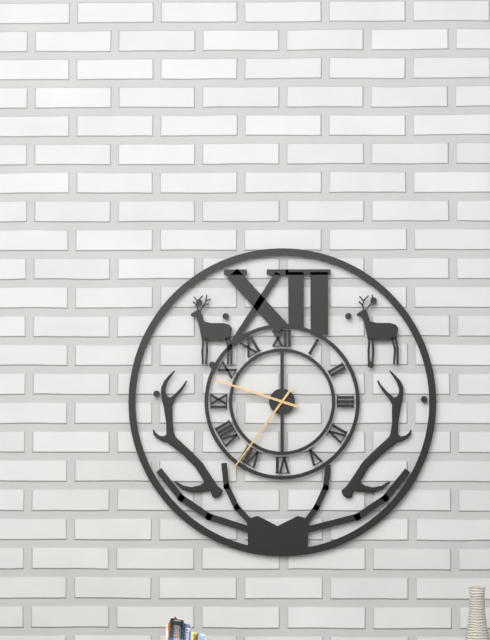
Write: 9:36
